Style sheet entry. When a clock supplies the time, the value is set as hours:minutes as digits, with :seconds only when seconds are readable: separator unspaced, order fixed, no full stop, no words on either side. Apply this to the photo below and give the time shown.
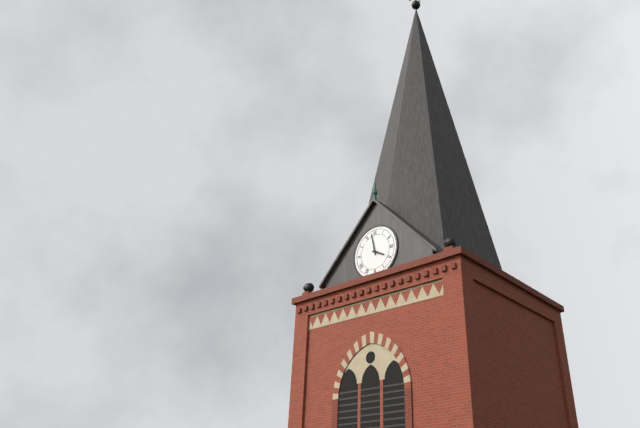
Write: 3:58
